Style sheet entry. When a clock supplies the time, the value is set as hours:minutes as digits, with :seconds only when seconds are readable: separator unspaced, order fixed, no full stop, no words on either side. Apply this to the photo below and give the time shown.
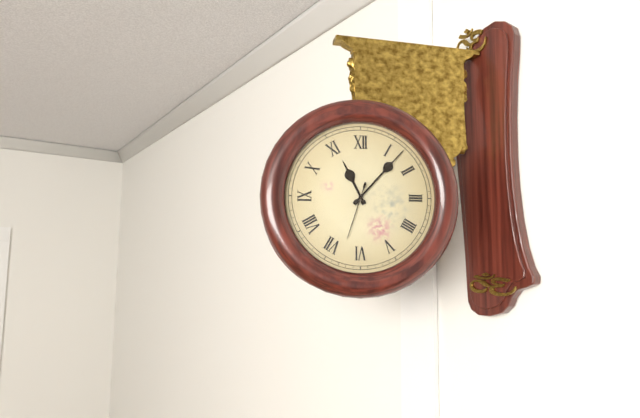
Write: 11:07
